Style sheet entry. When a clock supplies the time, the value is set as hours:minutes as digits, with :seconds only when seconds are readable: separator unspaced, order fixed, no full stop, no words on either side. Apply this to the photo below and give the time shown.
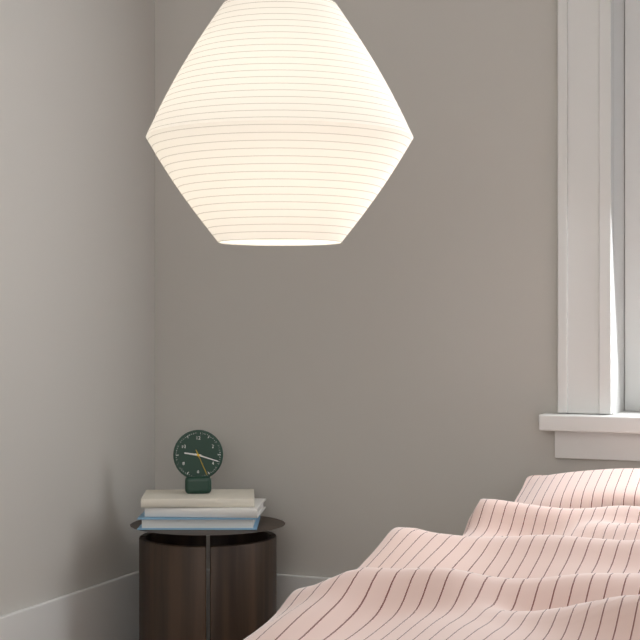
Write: 9:18
